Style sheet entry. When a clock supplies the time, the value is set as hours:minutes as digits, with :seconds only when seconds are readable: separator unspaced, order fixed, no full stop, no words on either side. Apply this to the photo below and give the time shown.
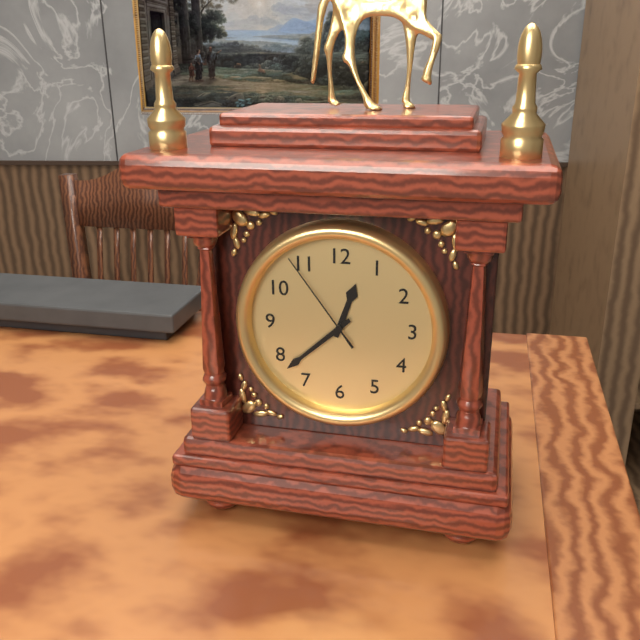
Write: 12:38:54
